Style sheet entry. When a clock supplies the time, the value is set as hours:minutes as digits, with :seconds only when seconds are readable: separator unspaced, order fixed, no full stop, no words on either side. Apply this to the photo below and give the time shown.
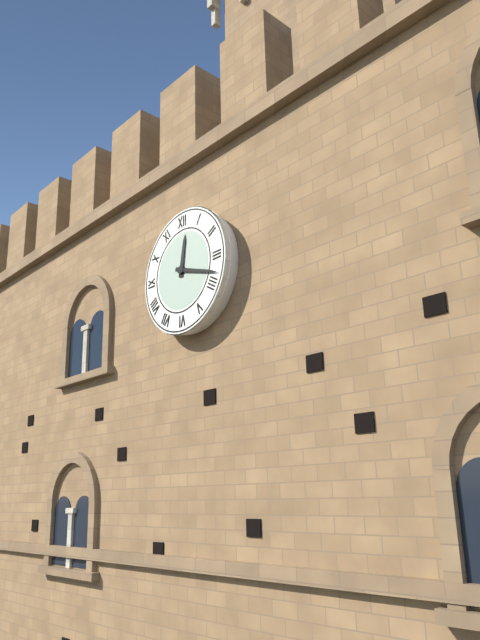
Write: 12:18
